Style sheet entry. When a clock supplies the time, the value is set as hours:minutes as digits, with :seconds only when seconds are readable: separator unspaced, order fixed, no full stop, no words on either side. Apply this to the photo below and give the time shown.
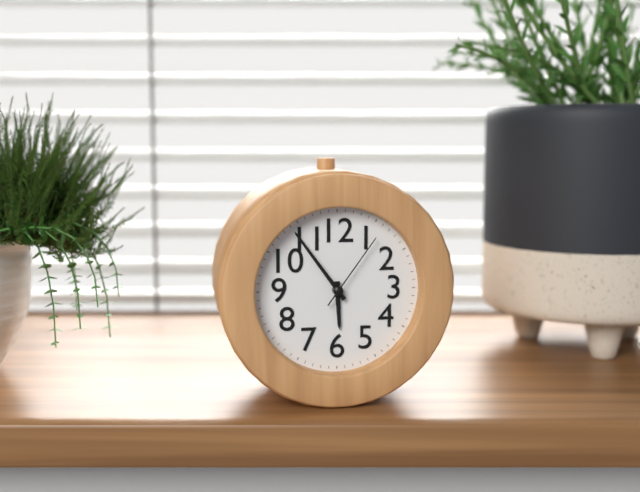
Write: 5:54:06
